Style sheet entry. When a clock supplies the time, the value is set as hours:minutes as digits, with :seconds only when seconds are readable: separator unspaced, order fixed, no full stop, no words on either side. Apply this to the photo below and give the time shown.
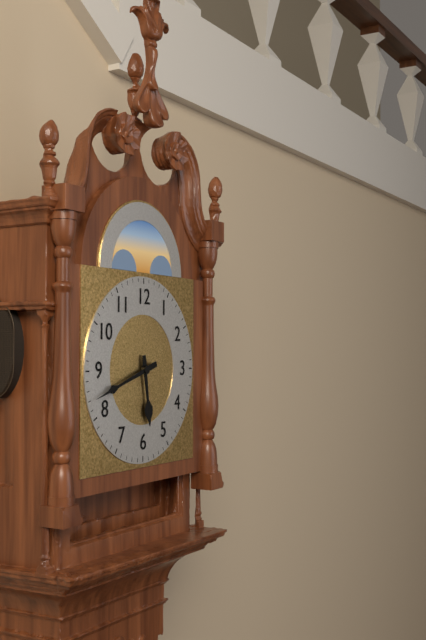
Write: 5:42
